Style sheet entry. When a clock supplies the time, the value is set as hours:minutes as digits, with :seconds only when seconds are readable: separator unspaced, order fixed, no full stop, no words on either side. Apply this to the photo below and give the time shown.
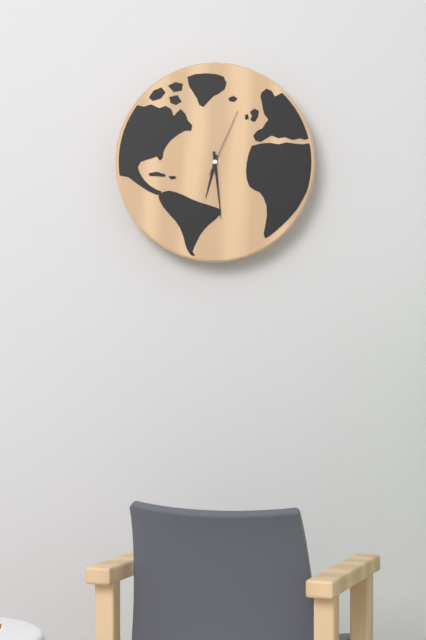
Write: 6:29:04
